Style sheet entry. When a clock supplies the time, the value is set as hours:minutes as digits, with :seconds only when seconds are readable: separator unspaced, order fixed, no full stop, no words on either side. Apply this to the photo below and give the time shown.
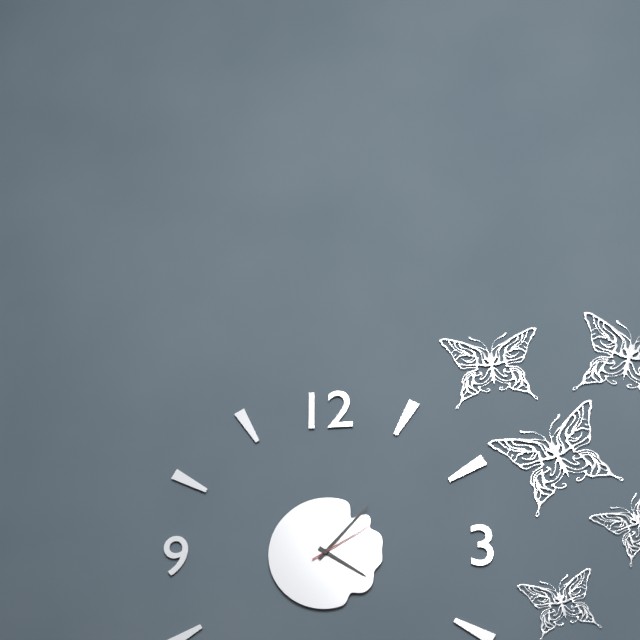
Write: 4:07:10
